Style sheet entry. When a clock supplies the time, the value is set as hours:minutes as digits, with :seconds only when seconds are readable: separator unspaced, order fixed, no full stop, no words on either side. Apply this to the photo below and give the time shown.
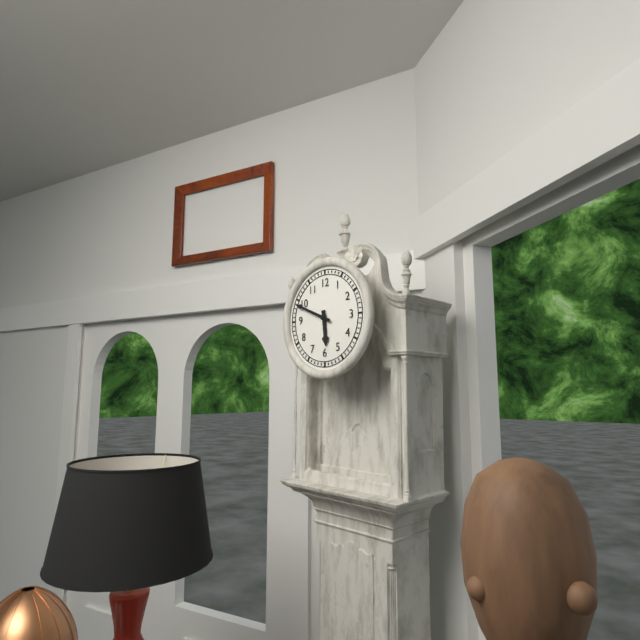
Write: 5:49
